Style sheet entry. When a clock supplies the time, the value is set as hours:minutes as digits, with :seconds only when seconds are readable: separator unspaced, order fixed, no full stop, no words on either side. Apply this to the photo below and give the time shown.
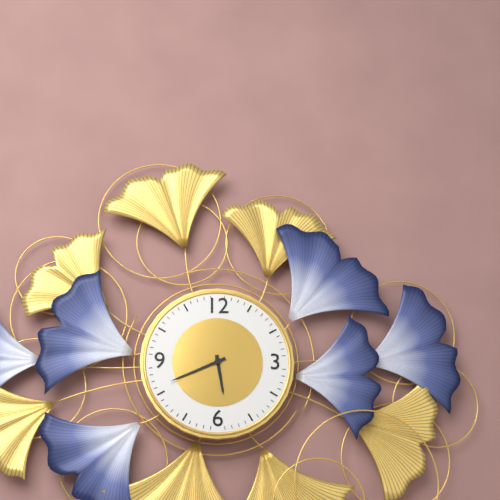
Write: 5:41
